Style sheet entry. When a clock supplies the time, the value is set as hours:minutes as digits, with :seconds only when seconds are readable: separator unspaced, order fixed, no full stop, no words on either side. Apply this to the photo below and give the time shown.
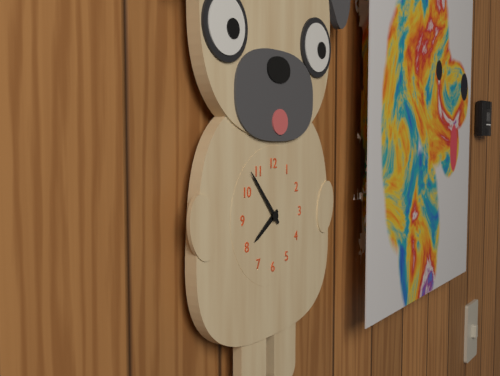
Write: 7:53
